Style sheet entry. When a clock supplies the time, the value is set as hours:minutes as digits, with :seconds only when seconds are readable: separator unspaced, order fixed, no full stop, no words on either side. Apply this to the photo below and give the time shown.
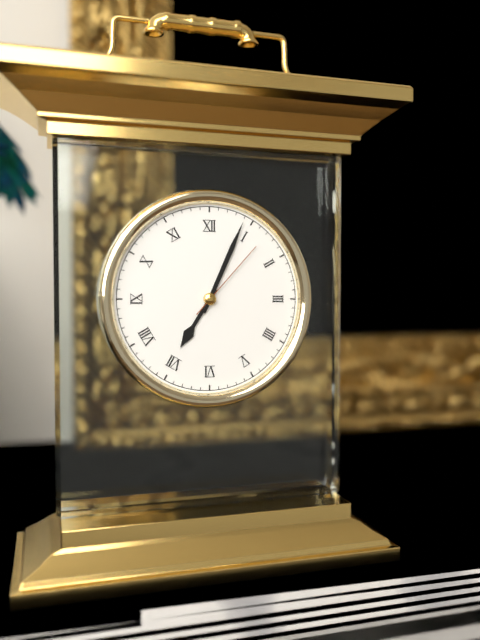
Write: 7:04:07
